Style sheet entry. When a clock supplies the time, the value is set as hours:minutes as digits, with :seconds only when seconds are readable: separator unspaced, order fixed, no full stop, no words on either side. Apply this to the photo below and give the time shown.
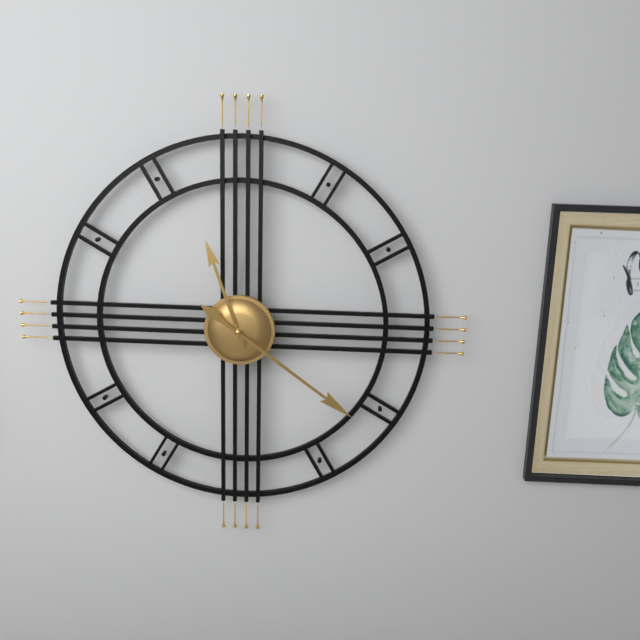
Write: 11:21
